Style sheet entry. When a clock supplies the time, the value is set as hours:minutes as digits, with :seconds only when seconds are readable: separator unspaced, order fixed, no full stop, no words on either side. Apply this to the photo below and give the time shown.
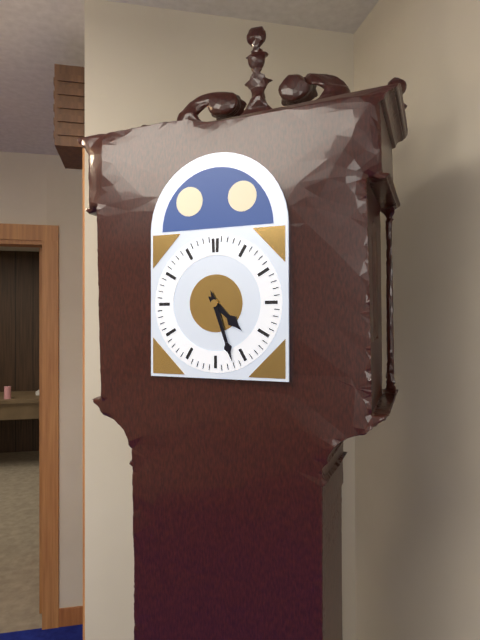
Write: 4:27
